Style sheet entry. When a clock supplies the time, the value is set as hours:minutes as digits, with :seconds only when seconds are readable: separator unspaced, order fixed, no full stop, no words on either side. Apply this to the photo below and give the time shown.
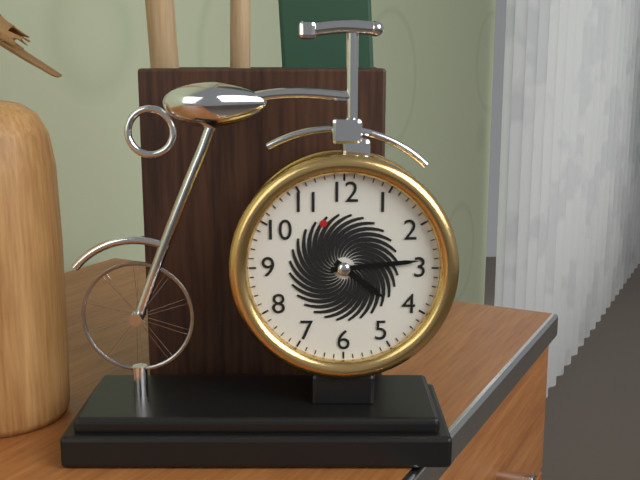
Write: 4:14
